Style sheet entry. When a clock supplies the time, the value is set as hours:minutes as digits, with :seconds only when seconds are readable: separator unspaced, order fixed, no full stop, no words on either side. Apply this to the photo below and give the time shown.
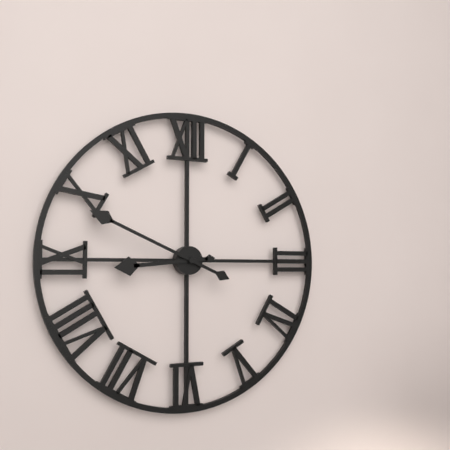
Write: 8:49
